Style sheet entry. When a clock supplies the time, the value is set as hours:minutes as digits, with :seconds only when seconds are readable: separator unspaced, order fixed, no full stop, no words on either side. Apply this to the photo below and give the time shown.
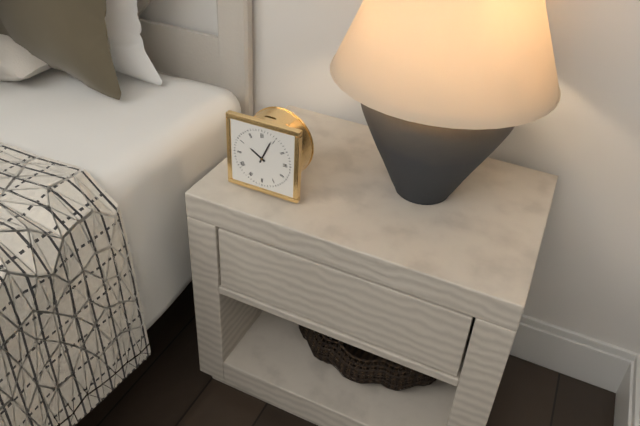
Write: 10:04
